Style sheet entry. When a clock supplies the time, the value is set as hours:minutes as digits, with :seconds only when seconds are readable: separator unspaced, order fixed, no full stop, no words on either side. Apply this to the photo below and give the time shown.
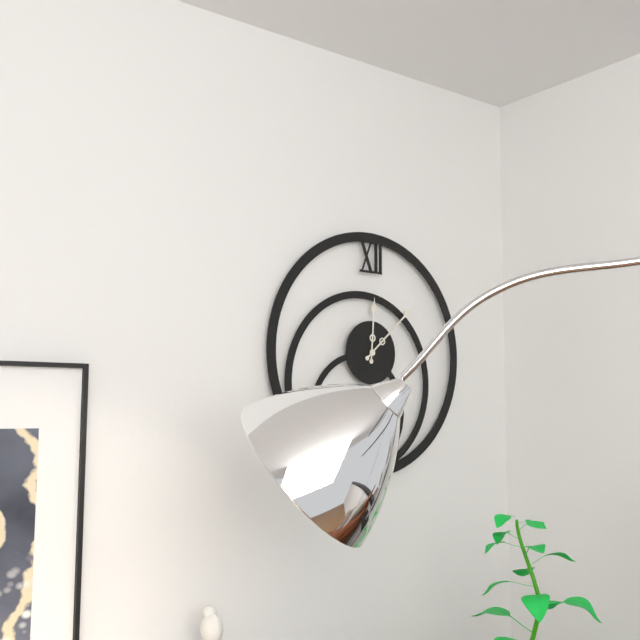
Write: 12:08
